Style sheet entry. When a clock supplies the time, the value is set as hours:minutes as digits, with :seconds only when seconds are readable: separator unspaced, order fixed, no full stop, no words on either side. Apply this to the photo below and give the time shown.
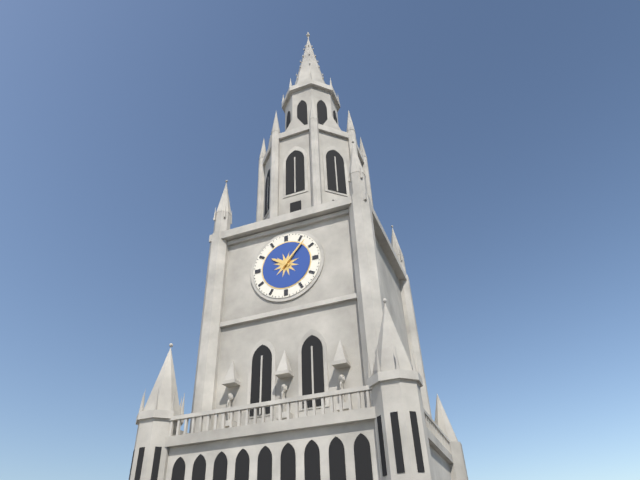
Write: 10:07
